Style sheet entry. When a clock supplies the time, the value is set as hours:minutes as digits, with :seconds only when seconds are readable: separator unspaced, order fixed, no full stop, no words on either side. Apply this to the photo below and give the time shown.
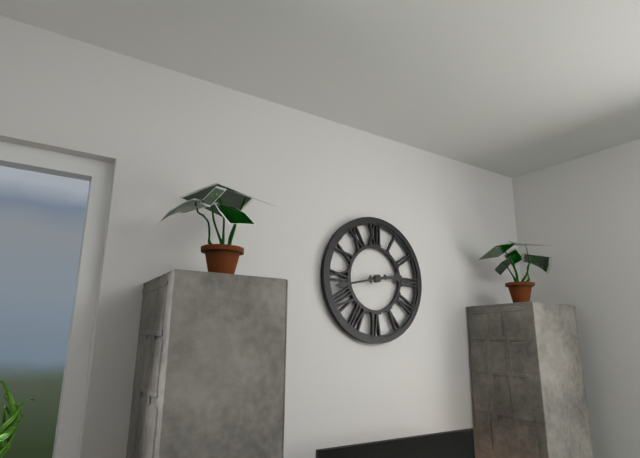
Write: 2:43
